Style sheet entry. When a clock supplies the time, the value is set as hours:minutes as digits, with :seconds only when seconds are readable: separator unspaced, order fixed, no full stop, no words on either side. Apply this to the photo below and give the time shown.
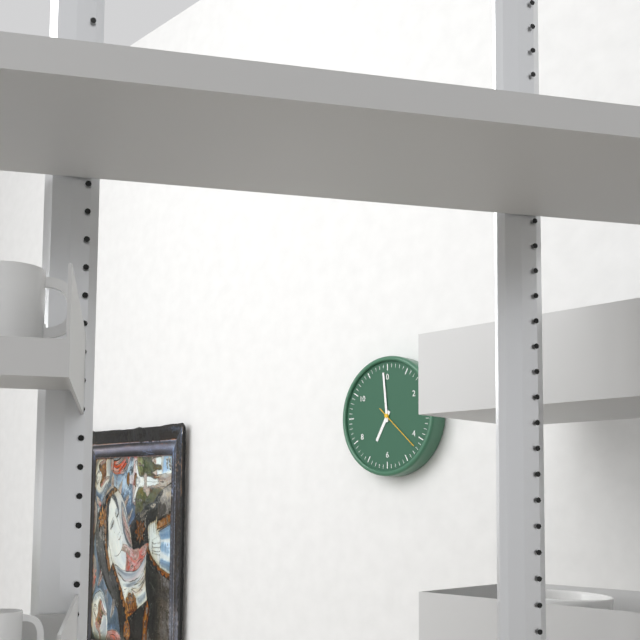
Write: 6:59:22
